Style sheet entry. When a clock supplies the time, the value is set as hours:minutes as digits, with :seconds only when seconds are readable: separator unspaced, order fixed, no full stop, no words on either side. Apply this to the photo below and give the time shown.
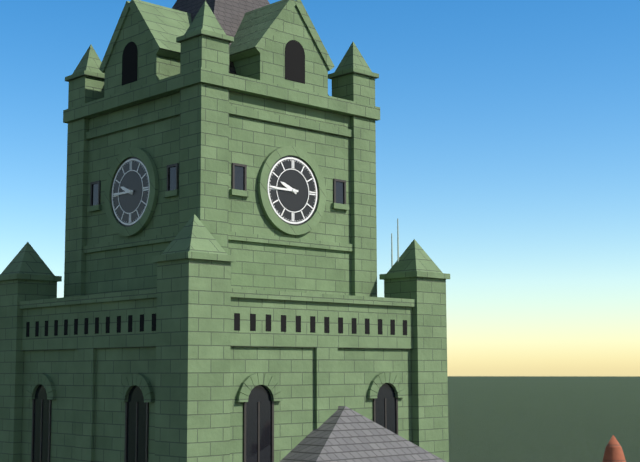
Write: 9:45
